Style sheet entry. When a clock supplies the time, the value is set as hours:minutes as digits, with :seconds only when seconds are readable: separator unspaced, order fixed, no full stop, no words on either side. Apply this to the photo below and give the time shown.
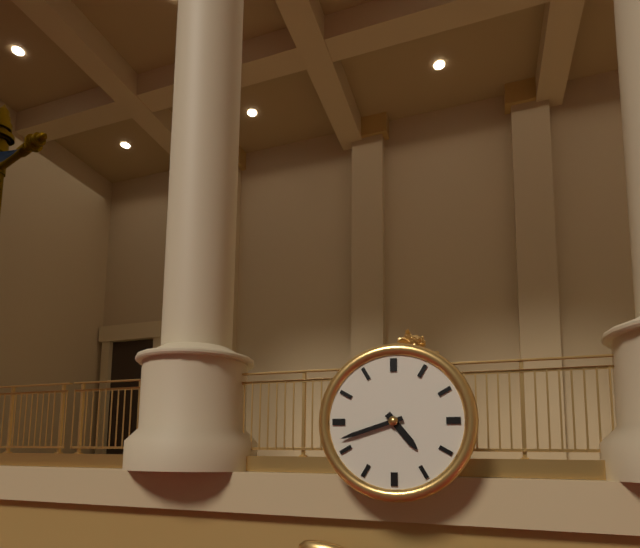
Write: 4:42
